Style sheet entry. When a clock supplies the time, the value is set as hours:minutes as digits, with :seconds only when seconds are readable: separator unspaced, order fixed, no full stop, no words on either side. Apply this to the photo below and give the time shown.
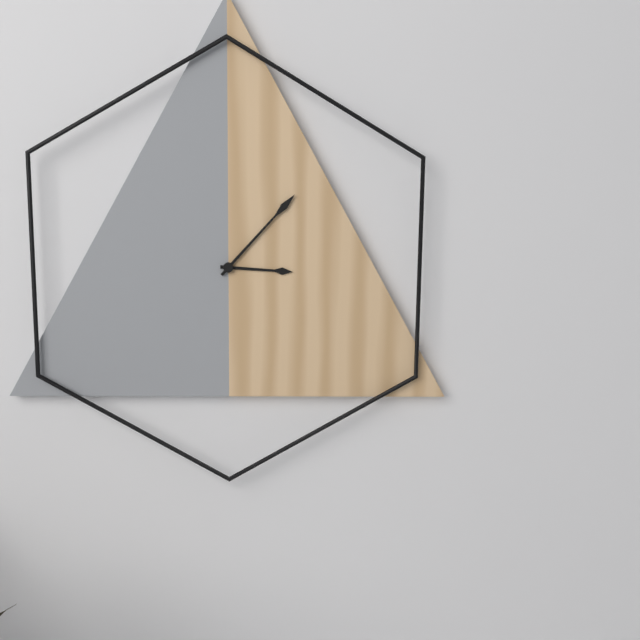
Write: 3:07
